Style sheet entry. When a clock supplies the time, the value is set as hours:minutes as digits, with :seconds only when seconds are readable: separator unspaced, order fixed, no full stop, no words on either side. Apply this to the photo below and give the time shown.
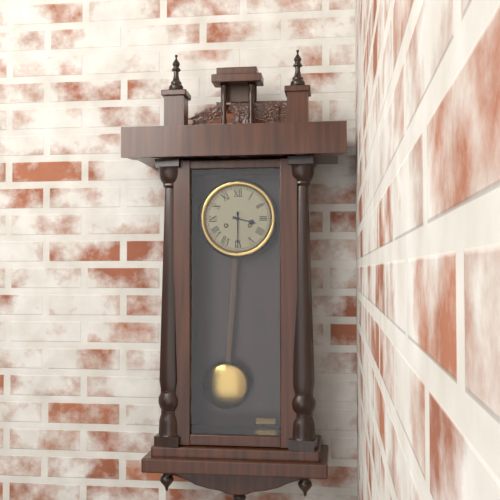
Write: 3:30
